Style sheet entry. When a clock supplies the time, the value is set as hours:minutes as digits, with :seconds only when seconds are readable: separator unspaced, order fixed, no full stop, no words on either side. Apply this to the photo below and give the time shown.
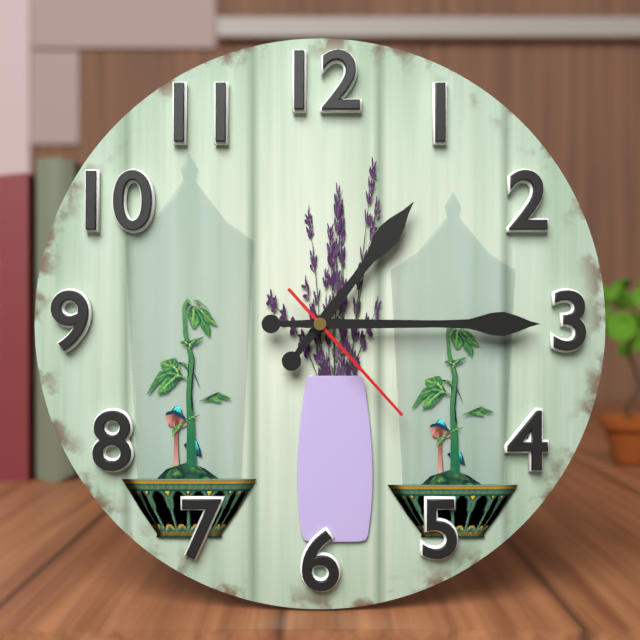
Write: 1:15:23
